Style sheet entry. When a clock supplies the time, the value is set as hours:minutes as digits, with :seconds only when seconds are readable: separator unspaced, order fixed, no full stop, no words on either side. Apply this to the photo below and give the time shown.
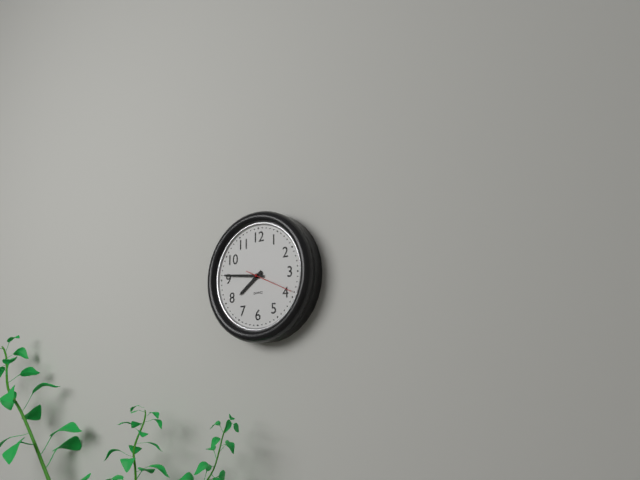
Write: 7:46
